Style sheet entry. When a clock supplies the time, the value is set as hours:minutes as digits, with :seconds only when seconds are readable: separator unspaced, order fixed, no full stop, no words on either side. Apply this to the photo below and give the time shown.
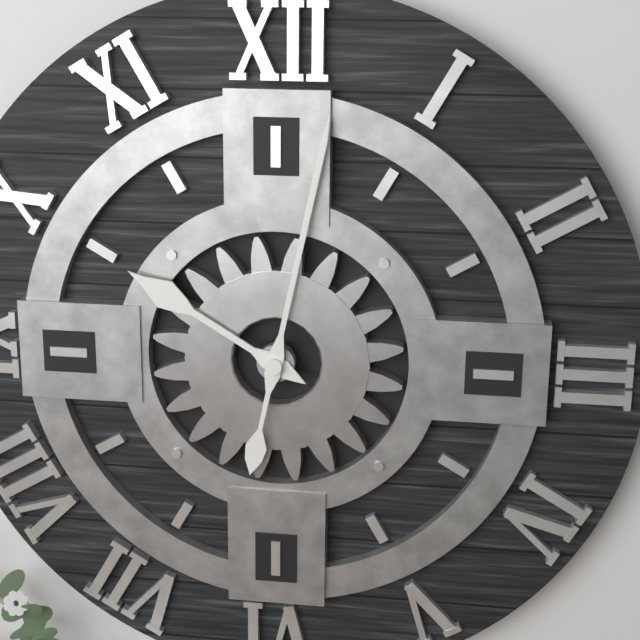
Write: 10:02
